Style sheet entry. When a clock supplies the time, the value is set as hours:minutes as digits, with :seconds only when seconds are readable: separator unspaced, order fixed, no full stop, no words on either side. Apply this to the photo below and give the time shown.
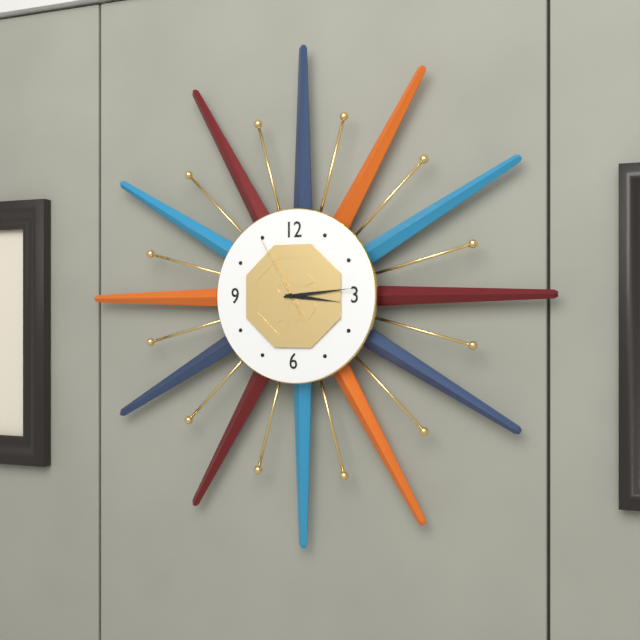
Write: 3:14:55
